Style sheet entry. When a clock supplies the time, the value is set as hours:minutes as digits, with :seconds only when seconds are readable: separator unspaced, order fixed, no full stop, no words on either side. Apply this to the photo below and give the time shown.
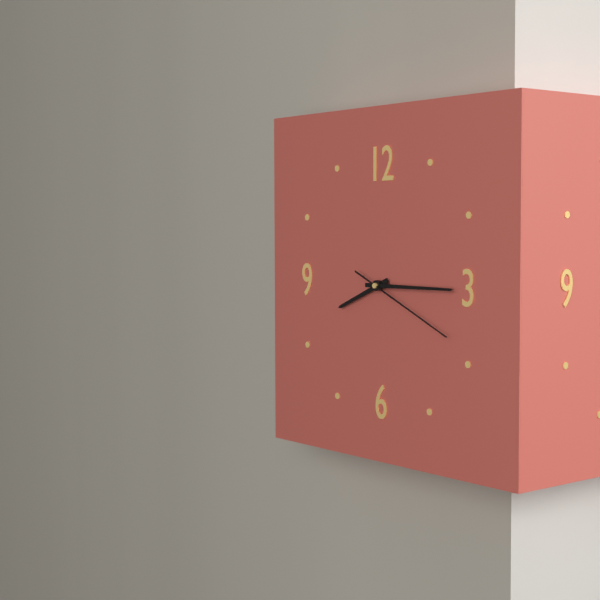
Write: 8:15:19
